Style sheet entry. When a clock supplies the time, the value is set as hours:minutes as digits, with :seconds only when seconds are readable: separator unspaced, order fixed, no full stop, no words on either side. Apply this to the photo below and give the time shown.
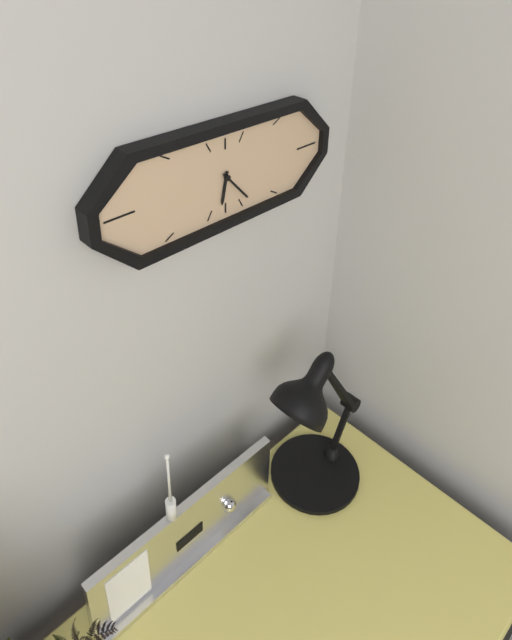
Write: 6:23
